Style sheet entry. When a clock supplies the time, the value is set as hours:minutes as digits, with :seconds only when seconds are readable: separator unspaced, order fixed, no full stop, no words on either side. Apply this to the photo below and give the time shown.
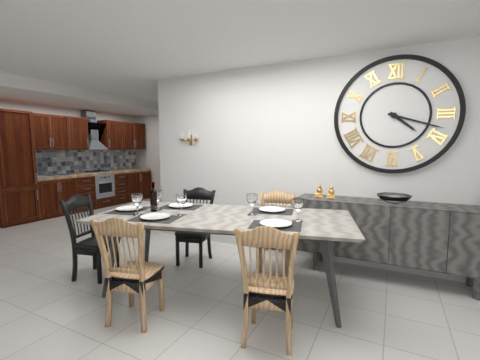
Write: 4:18
